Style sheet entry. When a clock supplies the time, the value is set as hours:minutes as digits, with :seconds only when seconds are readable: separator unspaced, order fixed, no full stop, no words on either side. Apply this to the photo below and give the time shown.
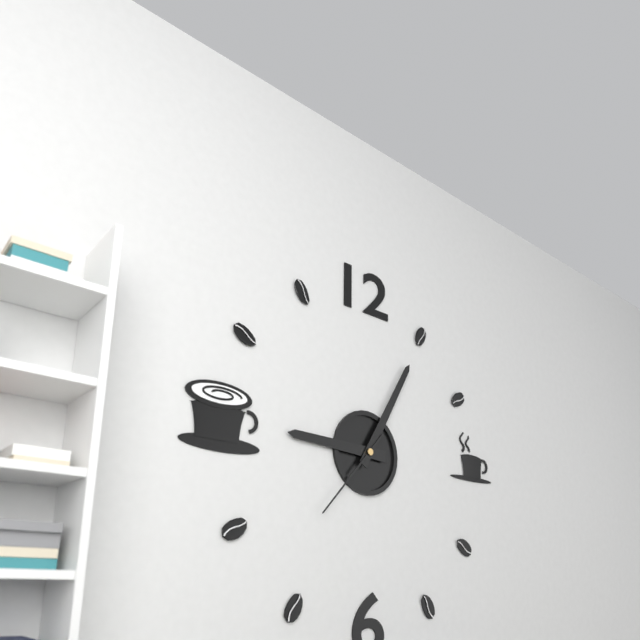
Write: 9:05:37
